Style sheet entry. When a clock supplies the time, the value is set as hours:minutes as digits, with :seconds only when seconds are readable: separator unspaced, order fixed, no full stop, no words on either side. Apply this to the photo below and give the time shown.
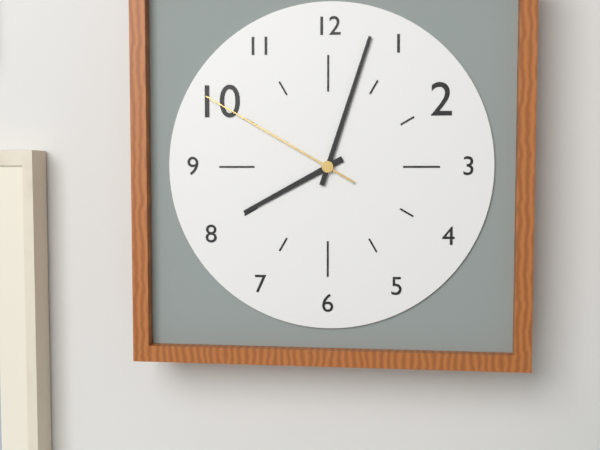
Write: 8:03:50
